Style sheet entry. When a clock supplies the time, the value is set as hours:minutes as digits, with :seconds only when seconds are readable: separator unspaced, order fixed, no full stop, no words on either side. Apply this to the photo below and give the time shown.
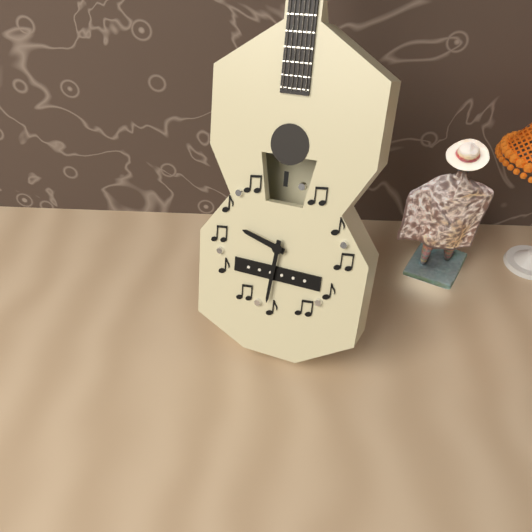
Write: 9:31
